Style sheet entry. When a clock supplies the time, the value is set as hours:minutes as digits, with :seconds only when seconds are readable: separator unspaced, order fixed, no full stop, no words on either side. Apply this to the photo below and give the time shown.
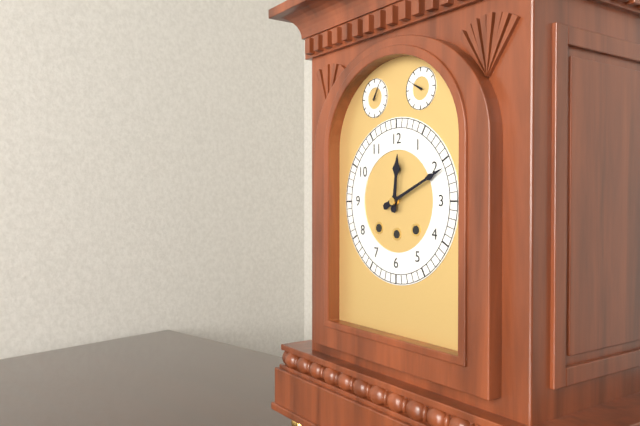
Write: 12:11
